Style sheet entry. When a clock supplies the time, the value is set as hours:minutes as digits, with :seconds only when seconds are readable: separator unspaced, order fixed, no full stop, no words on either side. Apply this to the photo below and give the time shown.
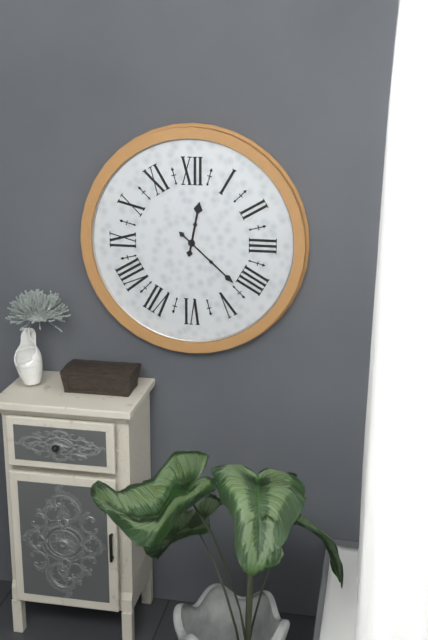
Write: 12:22
